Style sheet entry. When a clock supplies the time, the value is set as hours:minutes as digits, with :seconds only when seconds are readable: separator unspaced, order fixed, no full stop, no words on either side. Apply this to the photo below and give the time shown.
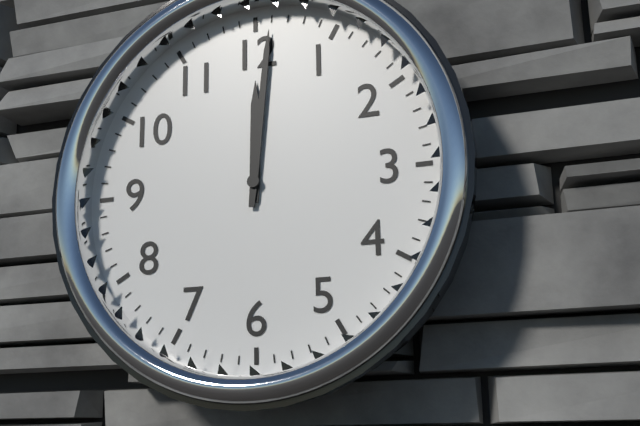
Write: 12:01
